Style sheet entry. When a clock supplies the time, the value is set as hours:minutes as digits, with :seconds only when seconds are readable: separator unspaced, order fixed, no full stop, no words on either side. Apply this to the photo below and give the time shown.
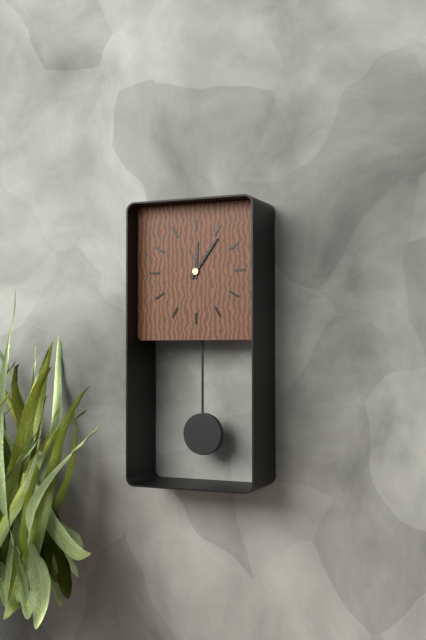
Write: 12:06
